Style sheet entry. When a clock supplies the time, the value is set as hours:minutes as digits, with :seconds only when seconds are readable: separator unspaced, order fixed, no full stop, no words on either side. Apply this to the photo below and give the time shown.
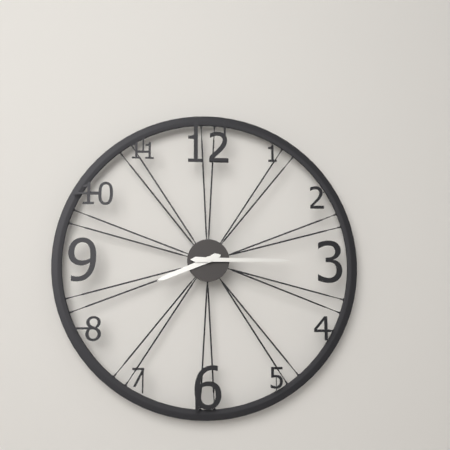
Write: 8:15
